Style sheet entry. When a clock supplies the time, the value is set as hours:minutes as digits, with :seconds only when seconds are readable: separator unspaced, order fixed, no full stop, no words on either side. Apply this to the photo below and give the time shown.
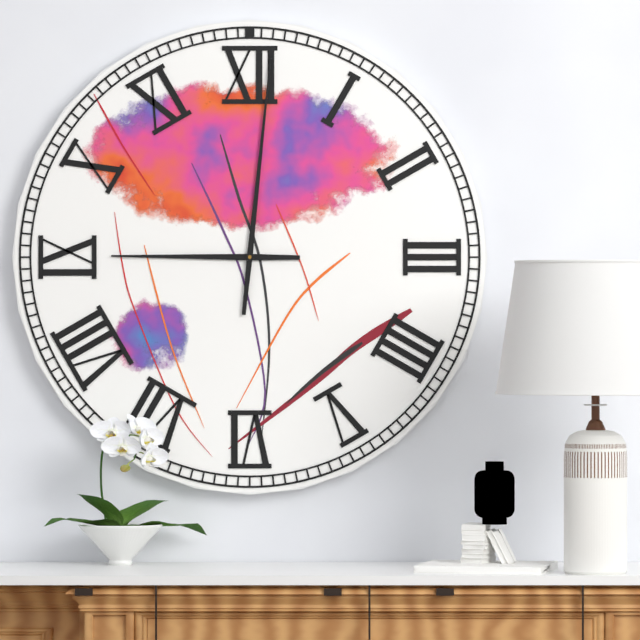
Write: 9:01
